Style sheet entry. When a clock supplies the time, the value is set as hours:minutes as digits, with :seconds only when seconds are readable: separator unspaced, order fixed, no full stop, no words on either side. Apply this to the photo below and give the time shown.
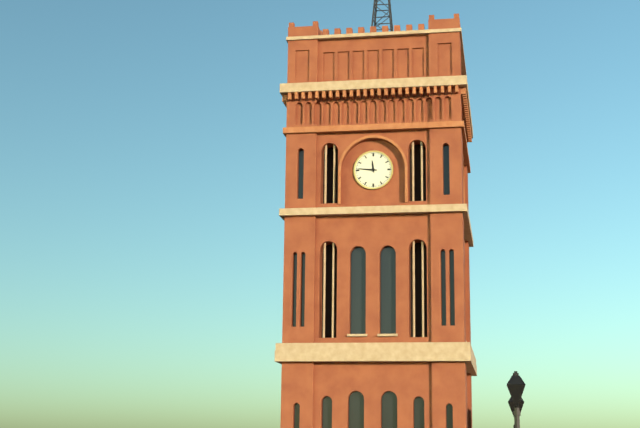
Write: 11:46
